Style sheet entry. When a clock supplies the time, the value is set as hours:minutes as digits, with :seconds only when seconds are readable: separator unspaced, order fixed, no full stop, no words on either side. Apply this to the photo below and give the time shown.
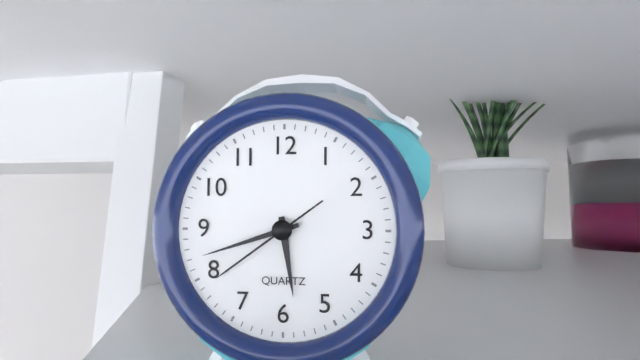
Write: 5:42:39
